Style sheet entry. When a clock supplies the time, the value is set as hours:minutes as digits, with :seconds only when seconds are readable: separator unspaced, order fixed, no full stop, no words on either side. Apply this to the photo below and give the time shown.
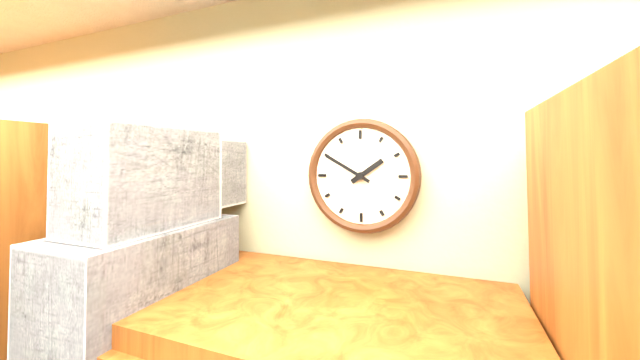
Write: 1:50
